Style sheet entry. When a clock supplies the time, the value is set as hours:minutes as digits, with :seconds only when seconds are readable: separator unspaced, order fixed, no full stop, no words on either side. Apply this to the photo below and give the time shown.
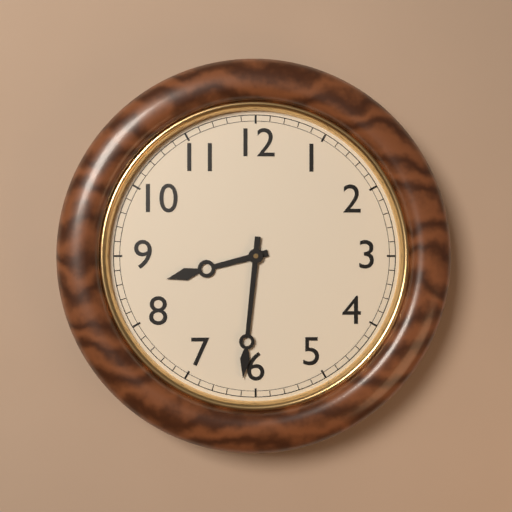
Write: 8:31
